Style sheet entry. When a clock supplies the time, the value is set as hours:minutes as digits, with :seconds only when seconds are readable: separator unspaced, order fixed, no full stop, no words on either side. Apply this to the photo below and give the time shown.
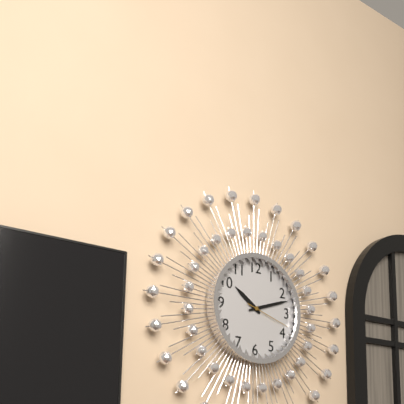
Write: 10:12
